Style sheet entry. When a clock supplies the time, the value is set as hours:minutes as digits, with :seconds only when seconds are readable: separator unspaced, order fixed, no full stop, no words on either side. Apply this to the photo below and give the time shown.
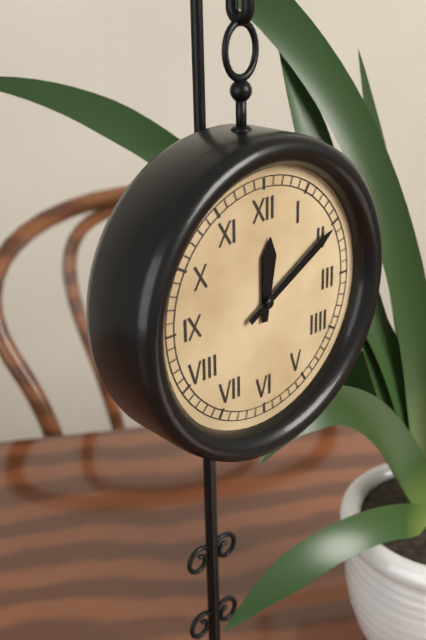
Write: 12:10
